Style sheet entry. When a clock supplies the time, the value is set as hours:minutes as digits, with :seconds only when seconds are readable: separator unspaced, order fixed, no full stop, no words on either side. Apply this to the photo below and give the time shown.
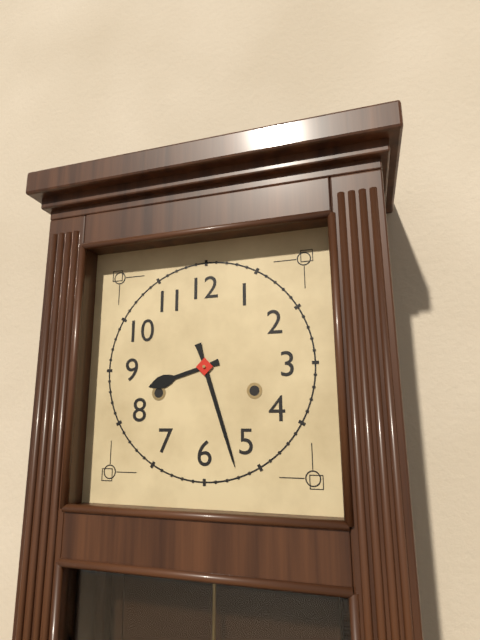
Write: 8:27
